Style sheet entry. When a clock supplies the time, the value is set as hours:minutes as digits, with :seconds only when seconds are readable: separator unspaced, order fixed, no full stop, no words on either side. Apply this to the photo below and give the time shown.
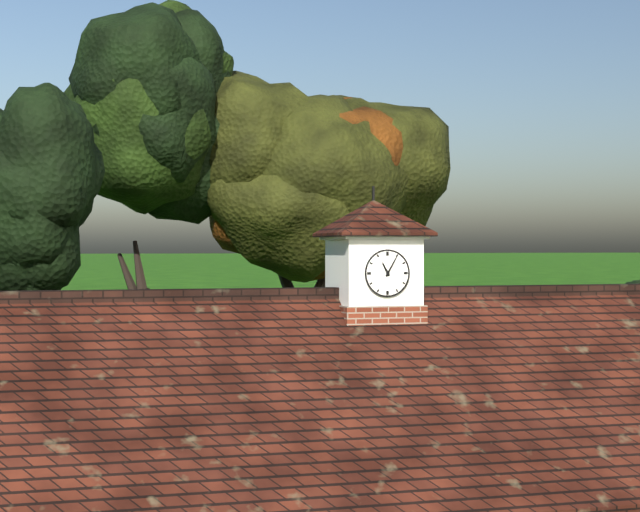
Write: 11:05
